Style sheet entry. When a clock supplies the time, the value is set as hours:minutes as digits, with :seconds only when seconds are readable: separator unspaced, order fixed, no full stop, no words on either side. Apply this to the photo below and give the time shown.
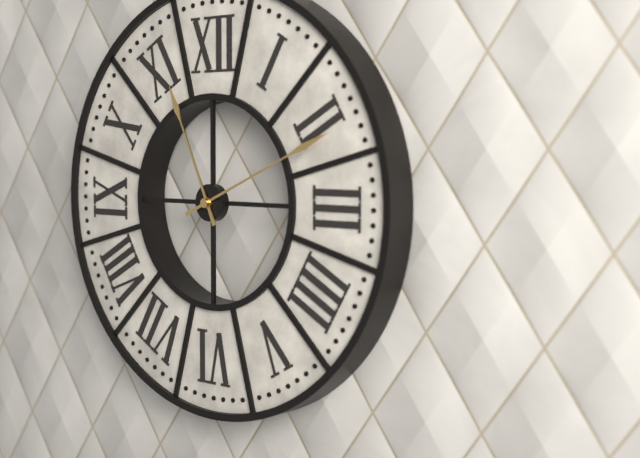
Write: 11:11
